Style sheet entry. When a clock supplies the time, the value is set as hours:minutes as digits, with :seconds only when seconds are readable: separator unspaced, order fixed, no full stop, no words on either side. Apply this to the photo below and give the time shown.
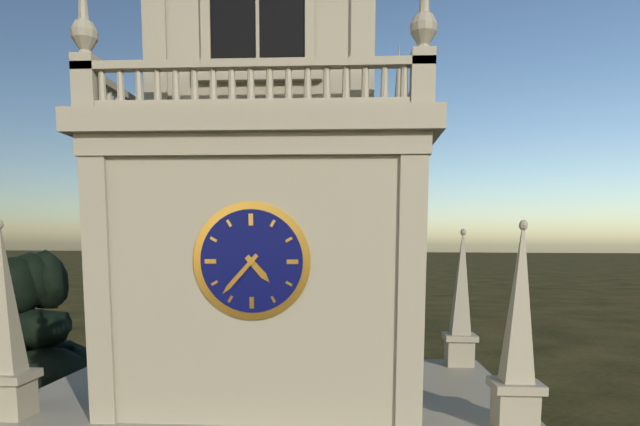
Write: 4:37
